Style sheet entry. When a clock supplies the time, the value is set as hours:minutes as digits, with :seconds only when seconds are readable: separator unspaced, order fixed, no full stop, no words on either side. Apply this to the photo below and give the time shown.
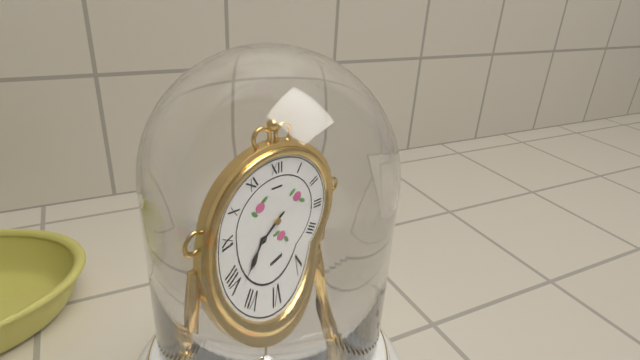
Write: 7:38
